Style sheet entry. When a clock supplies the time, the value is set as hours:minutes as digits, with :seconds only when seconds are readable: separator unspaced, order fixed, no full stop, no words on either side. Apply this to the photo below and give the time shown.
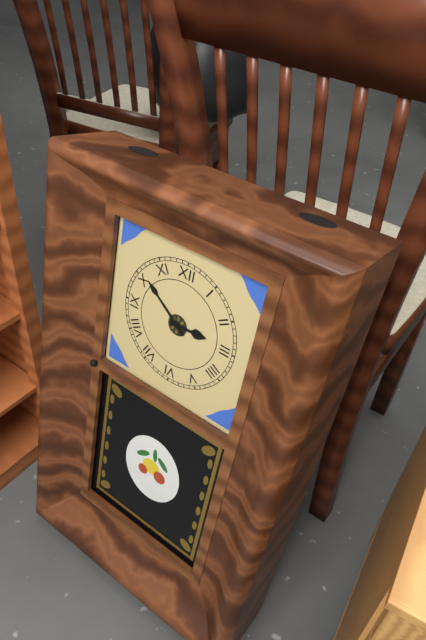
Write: 2:51
